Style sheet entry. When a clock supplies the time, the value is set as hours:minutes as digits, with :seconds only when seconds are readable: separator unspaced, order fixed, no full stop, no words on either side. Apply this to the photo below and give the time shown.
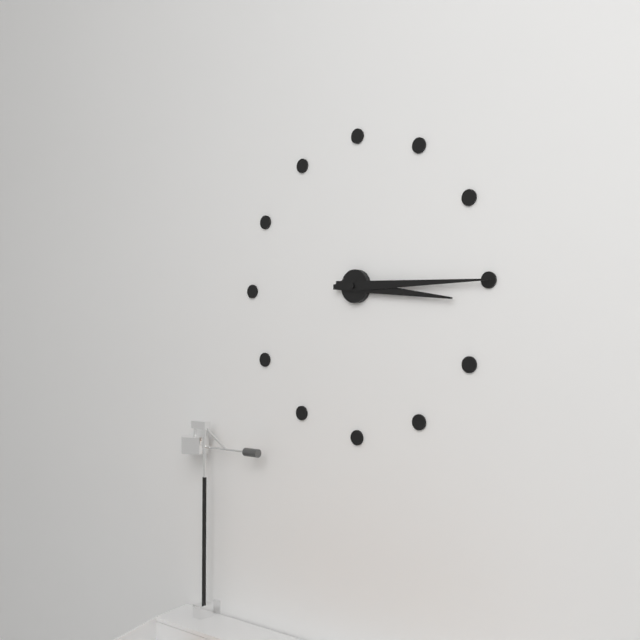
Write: 3:15
